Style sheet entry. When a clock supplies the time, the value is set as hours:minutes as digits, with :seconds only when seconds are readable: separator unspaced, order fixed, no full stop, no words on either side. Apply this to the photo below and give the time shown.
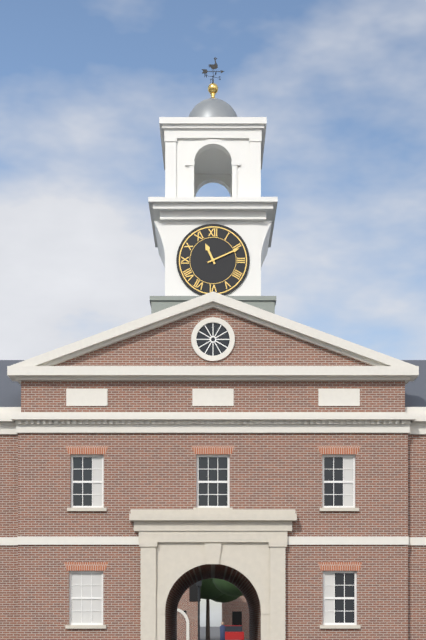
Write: 11:11
